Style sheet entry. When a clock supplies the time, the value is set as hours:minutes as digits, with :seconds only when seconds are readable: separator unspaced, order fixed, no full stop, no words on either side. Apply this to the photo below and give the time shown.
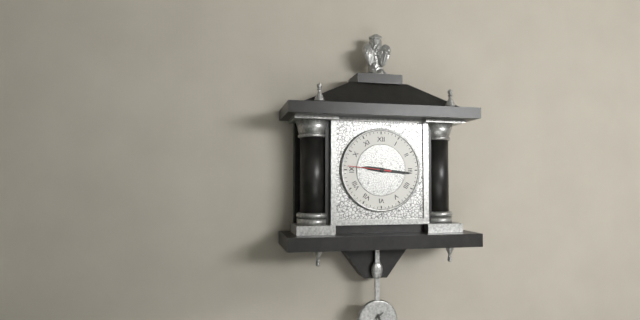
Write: 9:16
